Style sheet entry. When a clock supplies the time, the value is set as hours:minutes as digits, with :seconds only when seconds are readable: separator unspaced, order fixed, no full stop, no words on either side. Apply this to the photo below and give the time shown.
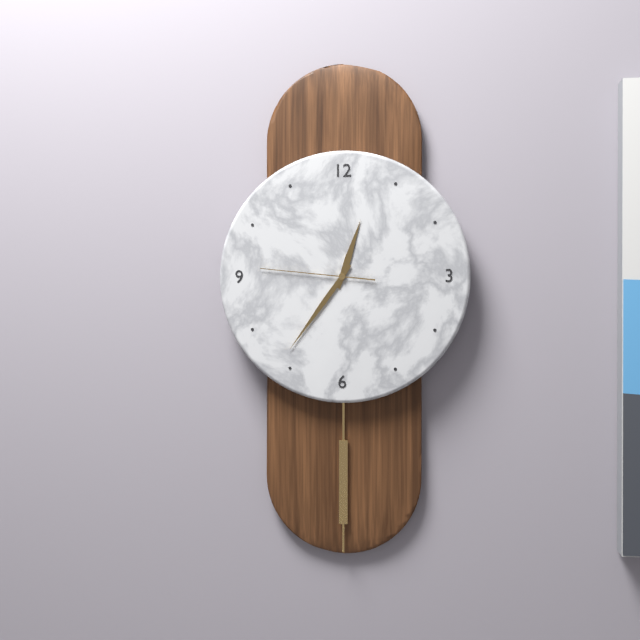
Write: 12:36:46
